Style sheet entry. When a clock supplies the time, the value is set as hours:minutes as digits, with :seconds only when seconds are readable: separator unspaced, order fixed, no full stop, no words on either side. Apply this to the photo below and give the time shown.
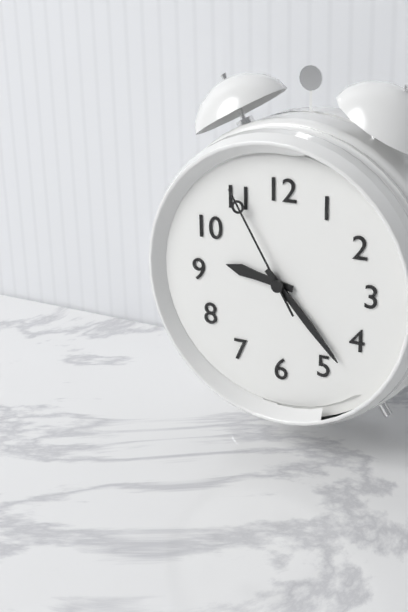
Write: 9:23:55
